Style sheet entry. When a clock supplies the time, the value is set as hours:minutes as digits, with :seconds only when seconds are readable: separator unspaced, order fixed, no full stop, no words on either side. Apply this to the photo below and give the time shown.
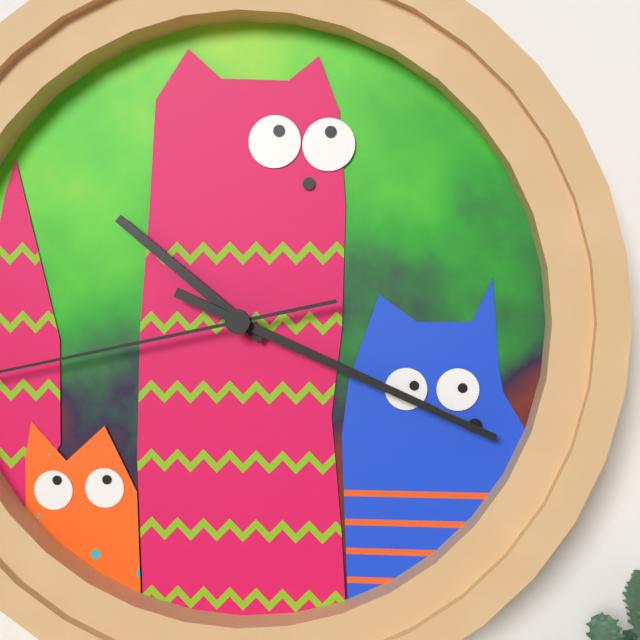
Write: 10:19
